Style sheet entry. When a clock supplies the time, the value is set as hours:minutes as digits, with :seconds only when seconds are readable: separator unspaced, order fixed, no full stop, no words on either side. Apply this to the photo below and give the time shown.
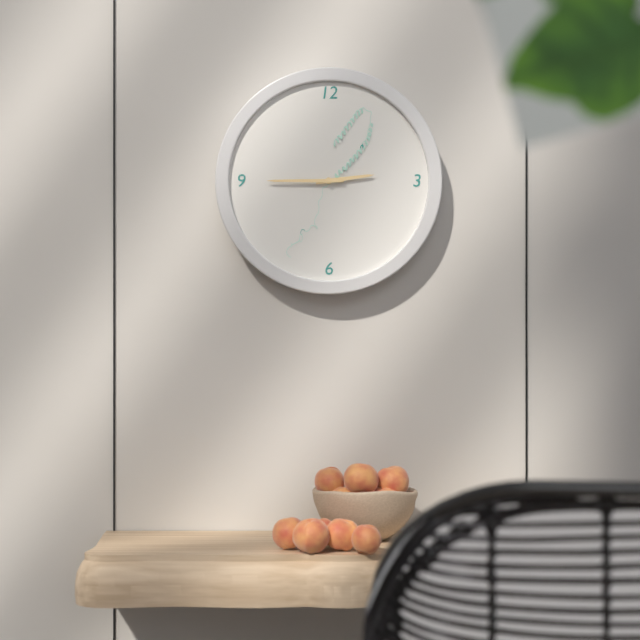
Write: 2:45
